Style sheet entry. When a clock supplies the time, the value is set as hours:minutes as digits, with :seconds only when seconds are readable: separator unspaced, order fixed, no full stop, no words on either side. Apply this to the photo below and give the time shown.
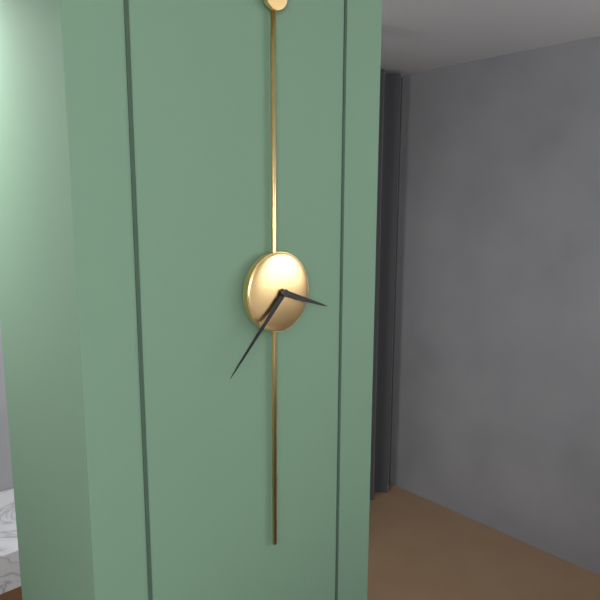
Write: 3:37
